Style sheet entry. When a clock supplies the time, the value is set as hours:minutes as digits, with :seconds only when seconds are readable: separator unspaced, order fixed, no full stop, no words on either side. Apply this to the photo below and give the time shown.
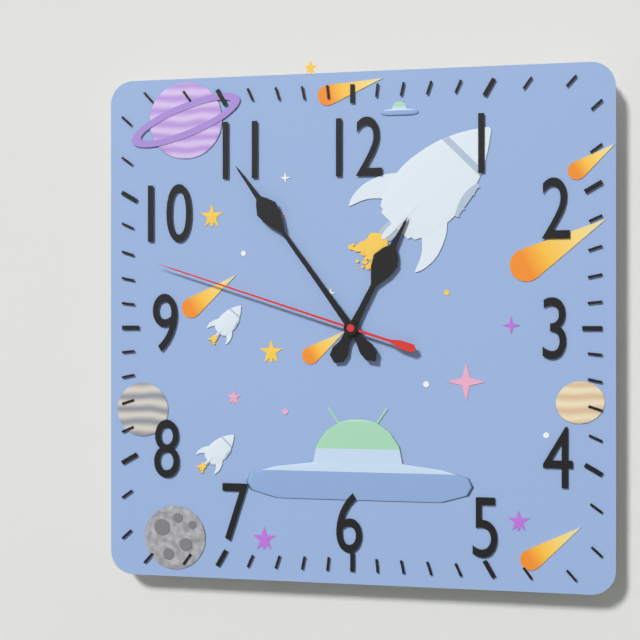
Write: 12:54:48
